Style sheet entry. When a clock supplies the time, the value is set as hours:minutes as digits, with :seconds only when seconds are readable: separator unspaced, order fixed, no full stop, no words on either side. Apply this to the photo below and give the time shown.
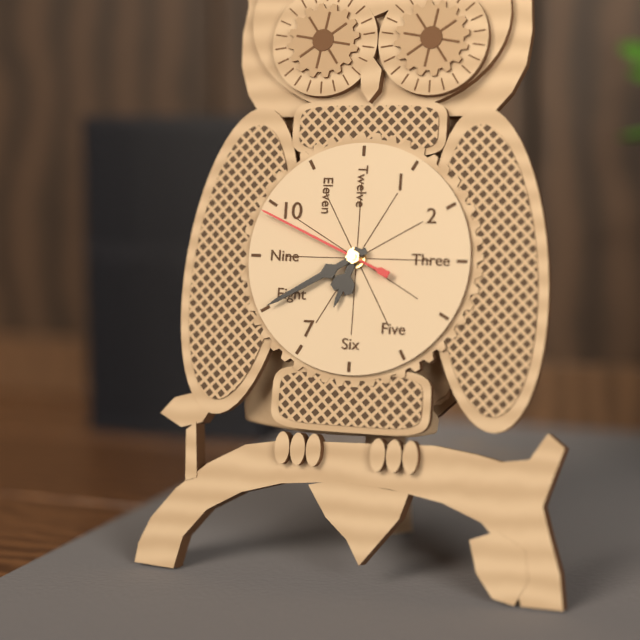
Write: 6:40:49
